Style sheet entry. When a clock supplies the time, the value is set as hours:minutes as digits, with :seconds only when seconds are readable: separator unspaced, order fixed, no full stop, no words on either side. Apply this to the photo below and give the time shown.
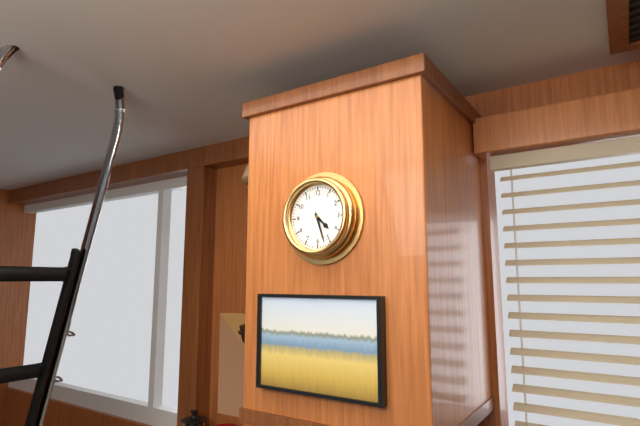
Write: 4:27
